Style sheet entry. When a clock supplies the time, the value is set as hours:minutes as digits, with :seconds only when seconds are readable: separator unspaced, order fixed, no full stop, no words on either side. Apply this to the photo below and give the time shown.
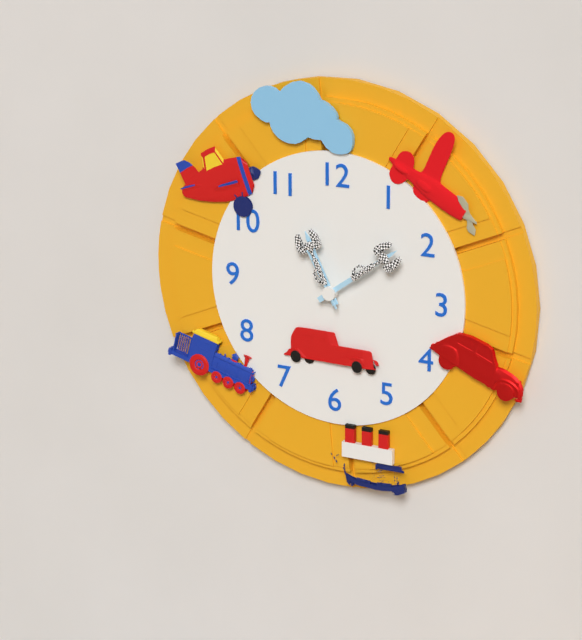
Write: 11:09:55
